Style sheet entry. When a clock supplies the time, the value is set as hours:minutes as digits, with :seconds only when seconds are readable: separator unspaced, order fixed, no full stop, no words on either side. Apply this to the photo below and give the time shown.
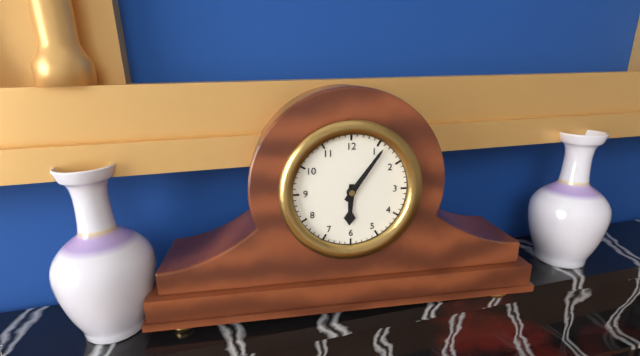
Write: 6:06
